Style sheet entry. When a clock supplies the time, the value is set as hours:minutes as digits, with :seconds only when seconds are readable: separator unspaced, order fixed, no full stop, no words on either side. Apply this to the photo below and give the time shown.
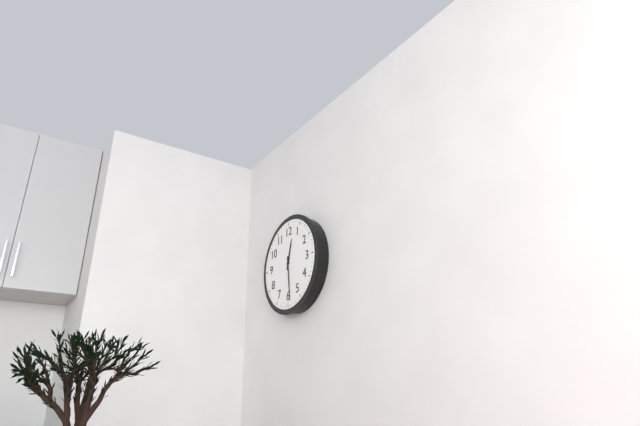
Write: 12:29
